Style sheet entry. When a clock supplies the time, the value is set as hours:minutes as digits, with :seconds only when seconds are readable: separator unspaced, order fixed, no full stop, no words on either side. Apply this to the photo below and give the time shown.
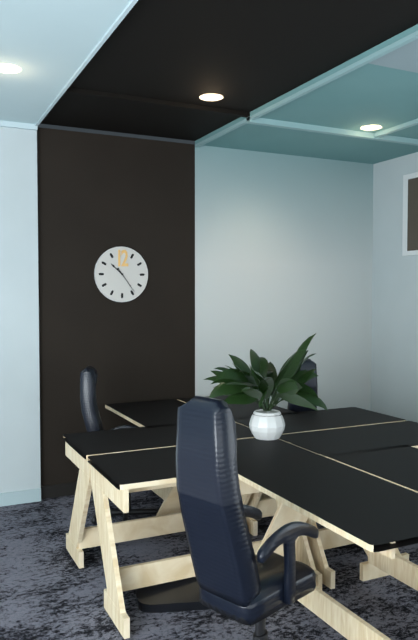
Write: 10:24
